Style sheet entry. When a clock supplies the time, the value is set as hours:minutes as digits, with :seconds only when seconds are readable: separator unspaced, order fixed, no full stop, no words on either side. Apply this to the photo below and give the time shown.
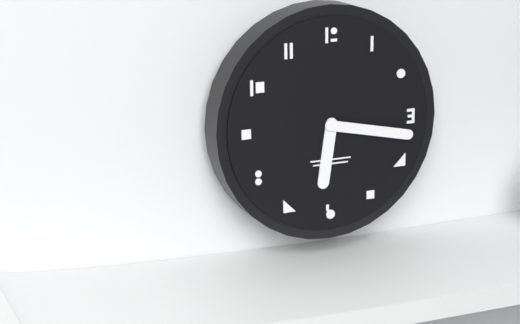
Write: 6:17
